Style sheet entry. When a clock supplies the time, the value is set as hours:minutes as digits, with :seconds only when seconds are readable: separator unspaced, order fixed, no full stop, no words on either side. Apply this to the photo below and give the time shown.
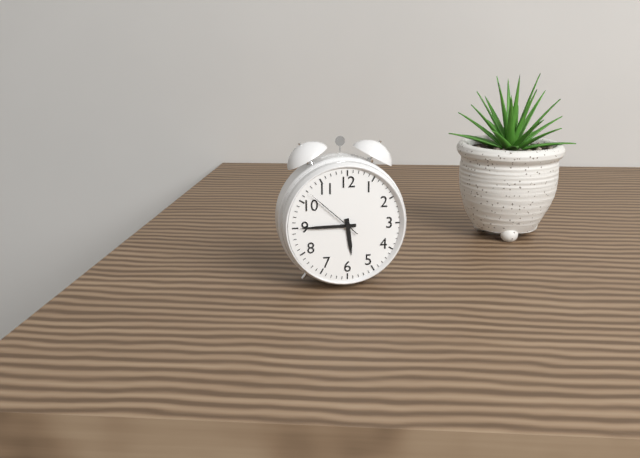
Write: 5:45:52
